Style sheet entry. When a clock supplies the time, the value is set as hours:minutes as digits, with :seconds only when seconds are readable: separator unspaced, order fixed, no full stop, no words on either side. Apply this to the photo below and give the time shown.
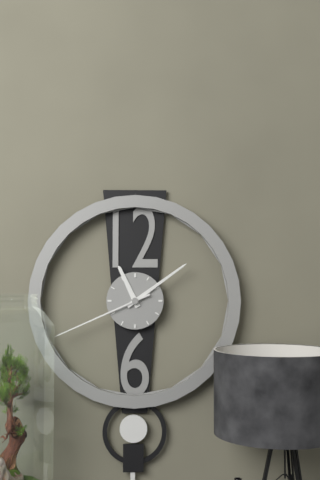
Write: 11:09:41
